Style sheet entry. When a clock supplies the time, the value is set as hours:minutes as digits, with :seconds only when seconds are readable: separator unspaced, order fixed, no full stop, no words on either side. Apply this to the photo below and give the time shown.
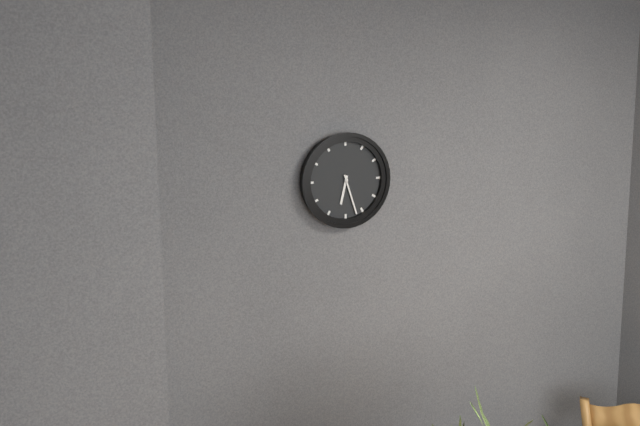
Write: 6:27
